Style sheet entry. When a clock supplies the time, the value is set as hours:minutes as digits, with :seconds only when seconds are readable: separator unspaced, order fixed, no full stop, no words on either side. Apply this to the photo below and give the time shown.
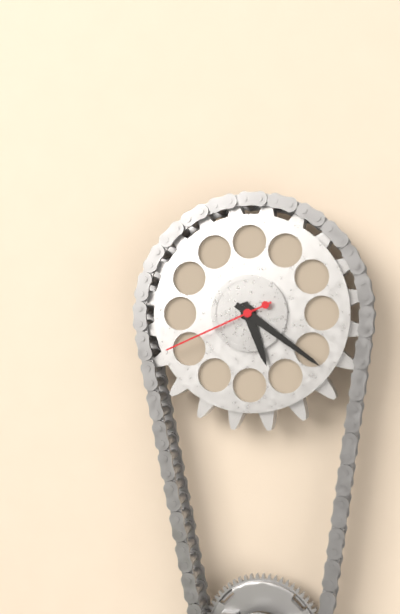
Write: 5:21:41
